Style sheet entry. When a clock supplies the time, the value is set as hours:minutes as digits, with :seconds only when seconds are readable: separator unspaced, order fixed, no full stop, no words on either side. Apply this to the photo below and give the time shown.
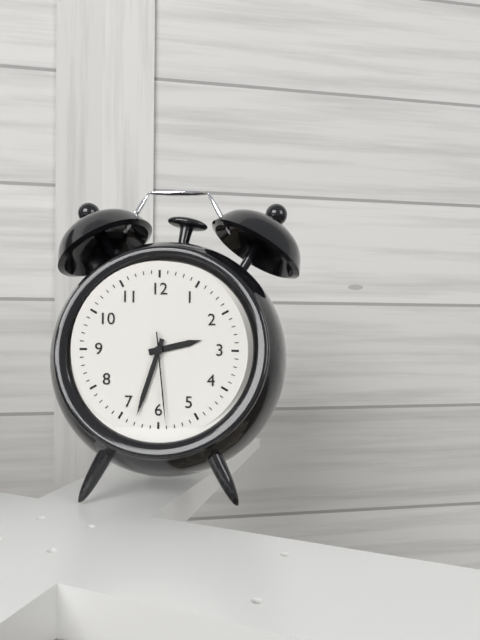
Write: 2:33:29
